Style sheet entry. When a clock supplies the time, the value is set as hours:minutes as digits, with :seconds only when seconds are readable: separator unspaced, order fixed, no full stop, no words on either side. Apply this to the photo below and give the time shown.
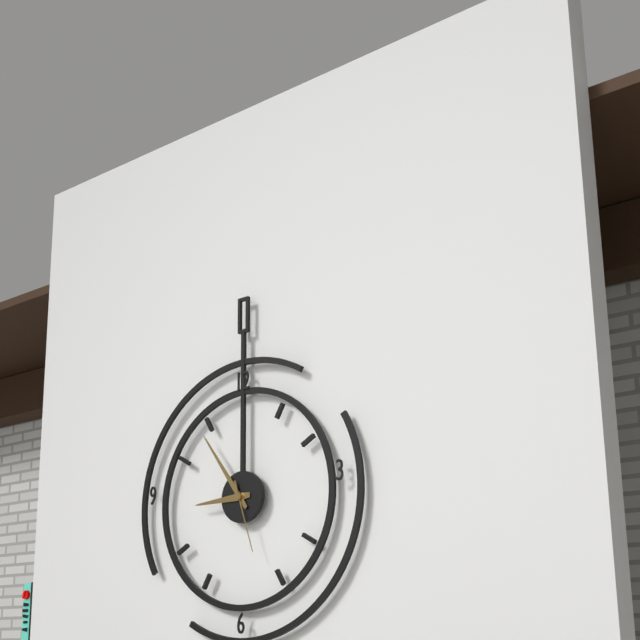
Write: 8:54:27
